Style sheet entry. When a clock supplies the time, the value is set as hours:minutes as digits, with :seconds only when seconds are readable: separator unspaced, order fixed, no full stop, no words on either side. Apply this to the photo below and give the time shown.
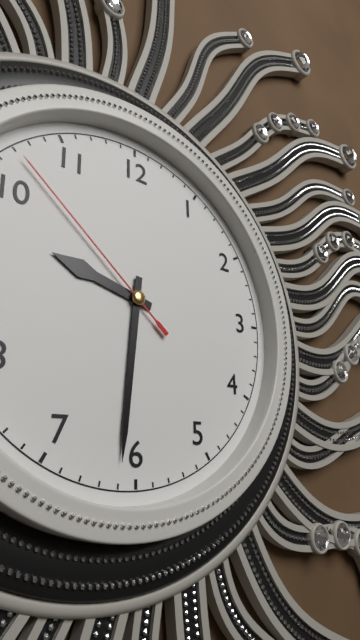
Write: 9:31:52
